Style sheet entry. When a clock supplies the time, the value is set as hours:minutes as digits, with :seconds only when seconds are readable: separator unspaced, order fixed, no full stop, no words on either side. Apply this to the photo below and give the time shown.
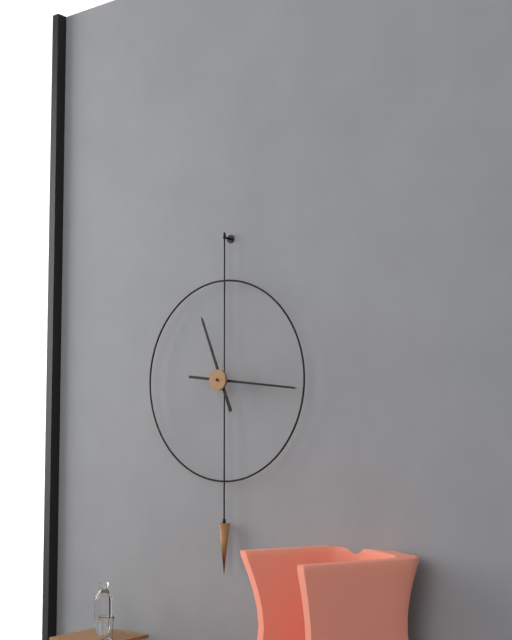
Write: 11:16
